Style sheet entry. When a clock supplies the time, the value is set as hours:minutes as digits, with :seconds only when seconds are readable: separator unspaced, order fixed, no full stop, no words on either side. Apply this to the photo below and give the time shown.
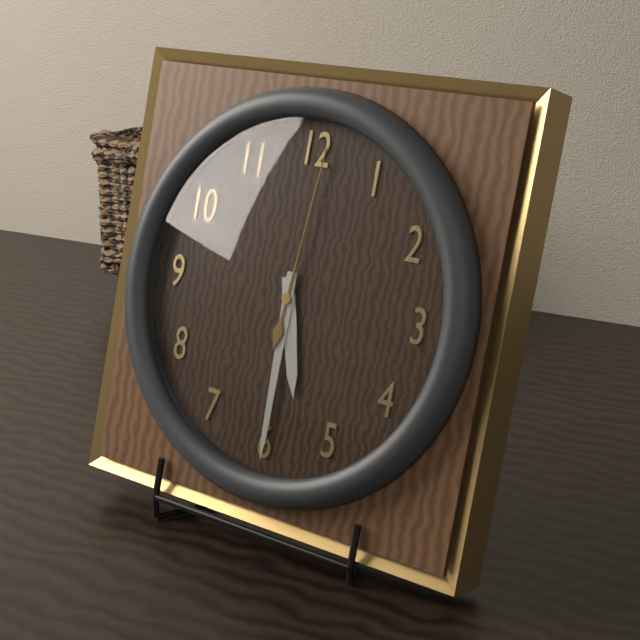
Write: 5:30:01
